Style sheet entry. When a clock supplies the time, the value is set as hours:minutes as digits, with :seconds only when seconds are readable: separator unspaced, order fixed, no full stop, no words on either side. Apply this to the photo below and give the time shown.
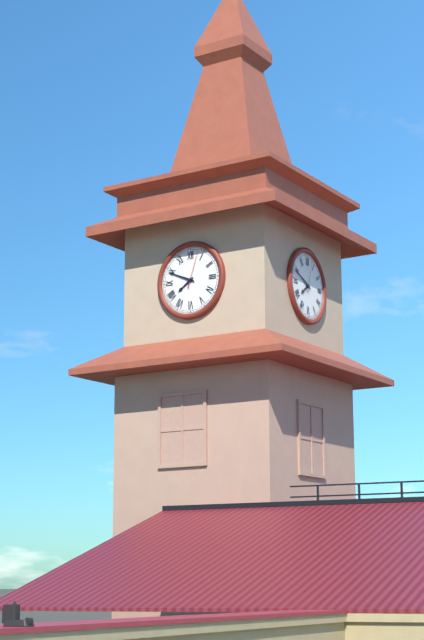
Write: 7:49
